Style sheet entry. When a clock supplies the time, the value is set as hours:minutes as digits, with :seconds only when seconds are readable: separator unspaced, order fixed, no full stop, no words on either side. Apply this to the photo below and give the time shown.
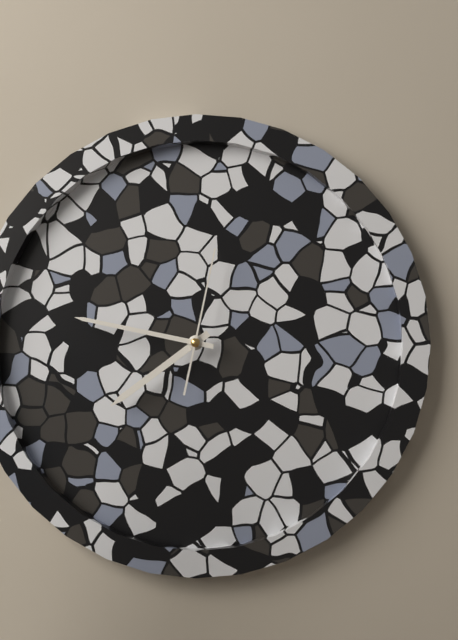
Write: 7:47:02
